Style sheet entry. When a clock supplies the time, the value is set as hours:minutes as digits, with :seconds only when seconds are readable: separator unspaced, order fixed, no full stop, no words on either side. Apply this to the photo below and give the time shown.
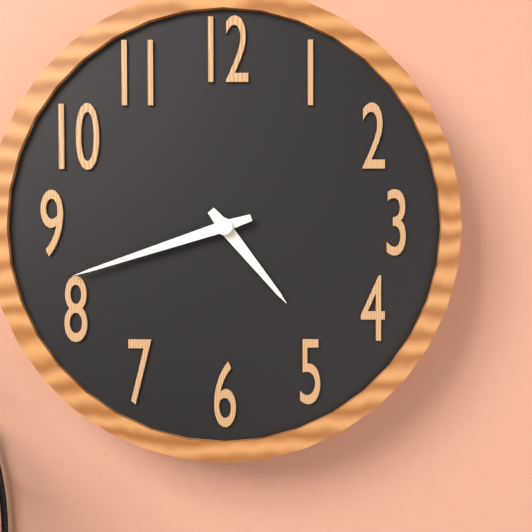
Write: 4:42
